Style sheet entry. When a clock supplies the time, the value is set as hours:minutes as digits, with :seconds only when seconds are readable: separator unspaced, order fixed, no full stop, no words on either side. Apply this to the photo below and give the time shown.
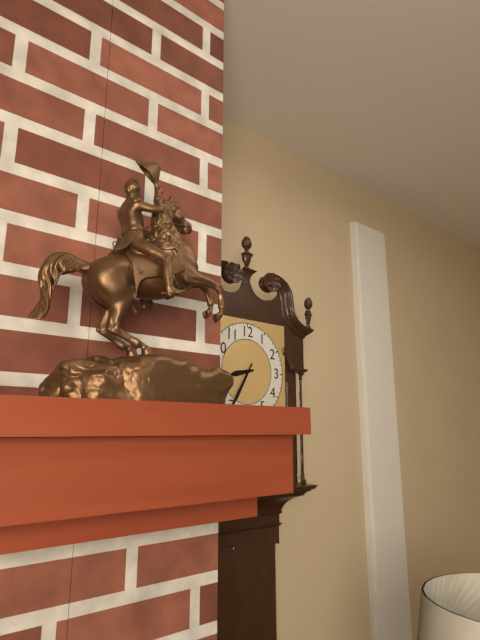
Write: 8:35
